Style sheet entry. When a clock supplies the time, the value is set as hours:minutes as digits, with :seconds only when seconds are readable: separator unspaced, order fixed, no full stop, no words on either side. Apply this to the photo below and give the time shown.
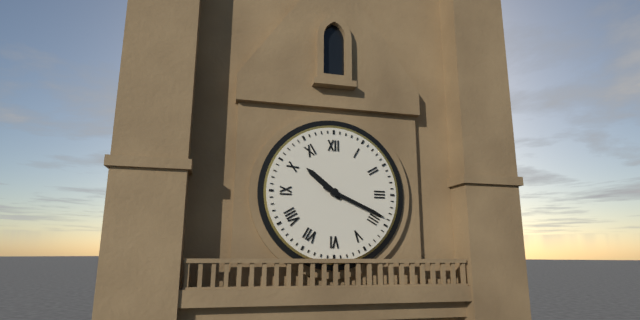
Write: 10:19
